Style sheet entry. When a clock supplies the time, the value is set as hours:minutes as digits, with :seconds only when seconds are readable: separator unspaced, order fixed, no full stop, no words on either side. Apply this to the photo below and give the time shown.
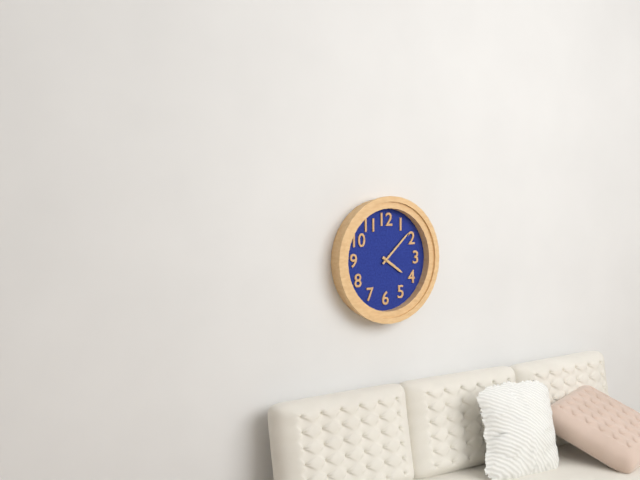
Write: 4:08
